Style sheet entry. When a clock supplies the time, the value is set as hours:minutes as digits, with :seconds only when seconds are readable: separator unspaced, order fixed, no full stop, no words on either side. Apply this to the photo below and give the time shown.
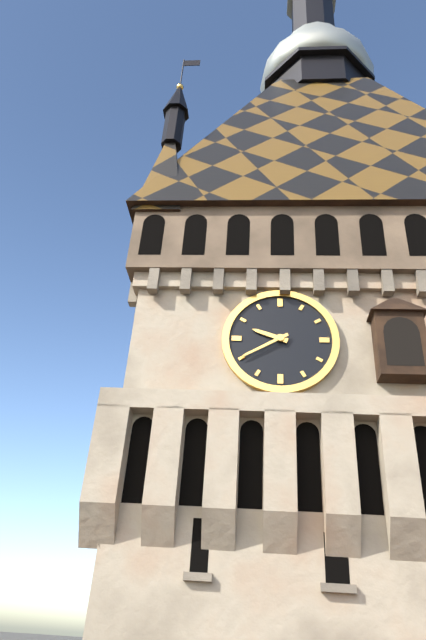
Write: 9:40
